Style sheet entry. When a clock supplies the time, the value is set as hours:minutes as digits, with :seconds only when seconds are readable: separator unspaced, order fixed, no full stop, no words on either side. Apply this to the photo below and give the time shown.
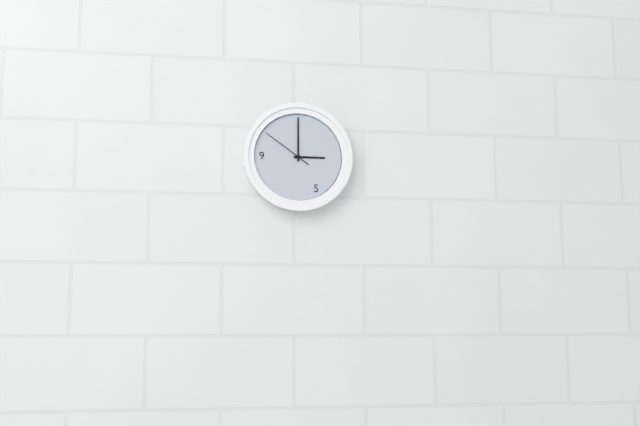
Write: 3:00:51
